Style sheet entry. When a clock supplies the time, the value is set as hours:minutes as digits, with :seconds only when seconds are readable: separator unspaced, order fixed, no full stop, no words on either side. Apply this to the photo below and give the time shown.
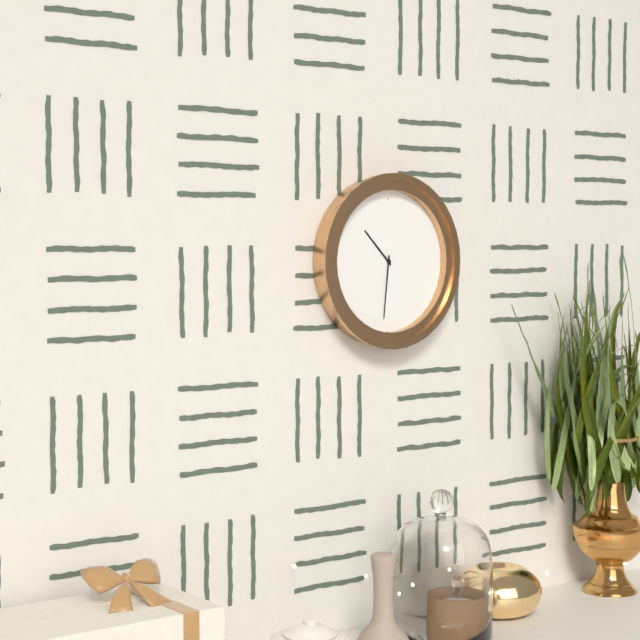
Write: 10:31
